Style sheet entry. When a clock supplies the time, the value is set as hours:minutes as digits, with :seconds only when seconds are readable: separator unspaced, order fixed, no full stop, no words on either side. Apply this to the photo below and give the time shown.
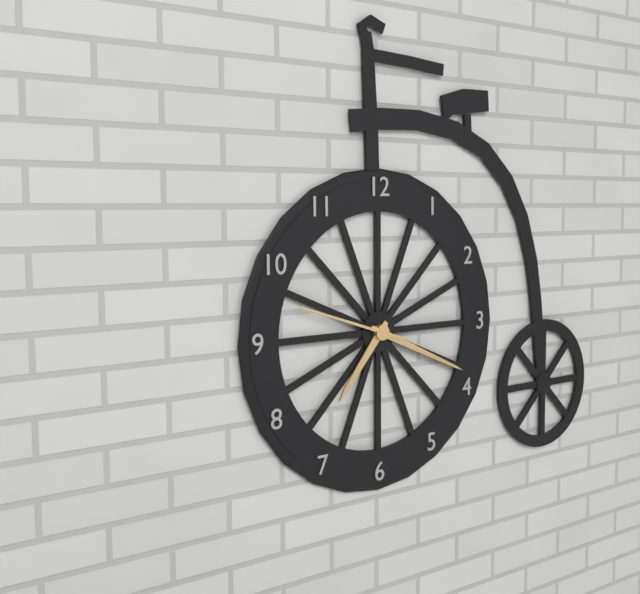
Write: 7:19:48
